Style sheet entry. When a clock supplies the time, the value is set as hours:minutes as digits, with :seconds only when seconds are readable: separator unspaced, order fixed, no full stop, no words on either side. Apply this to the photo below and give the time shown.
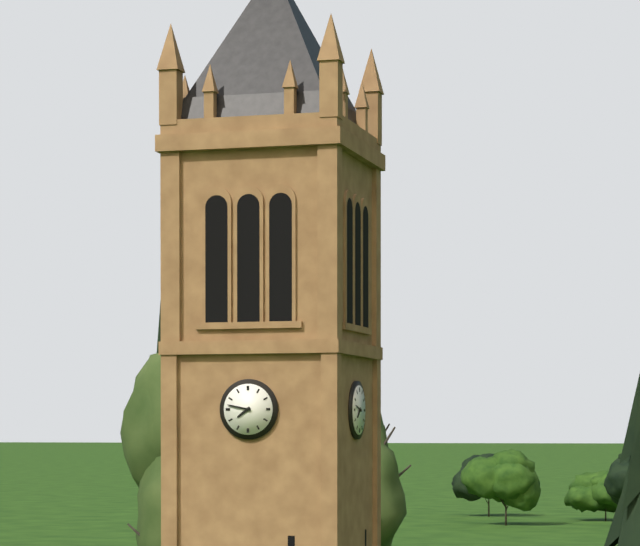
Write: 7:47
